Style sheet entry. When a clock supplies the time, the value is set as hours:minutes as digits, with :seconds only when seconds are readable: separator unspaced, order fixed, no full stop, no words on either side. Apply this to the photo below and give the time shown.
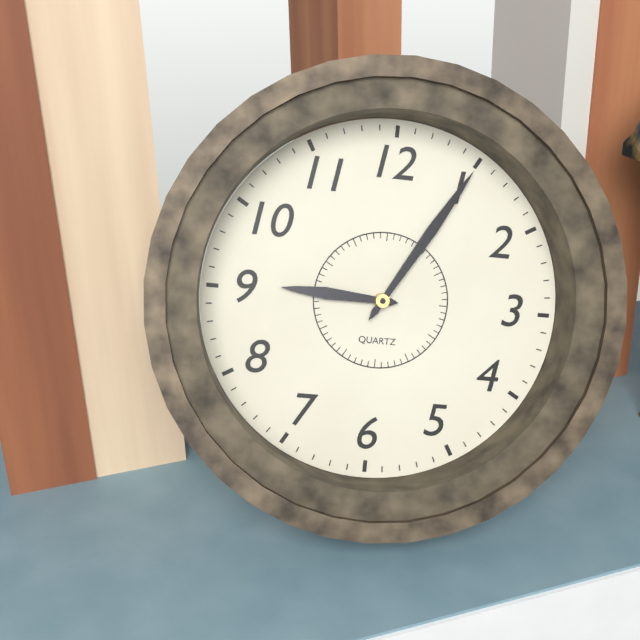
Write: 9:05
